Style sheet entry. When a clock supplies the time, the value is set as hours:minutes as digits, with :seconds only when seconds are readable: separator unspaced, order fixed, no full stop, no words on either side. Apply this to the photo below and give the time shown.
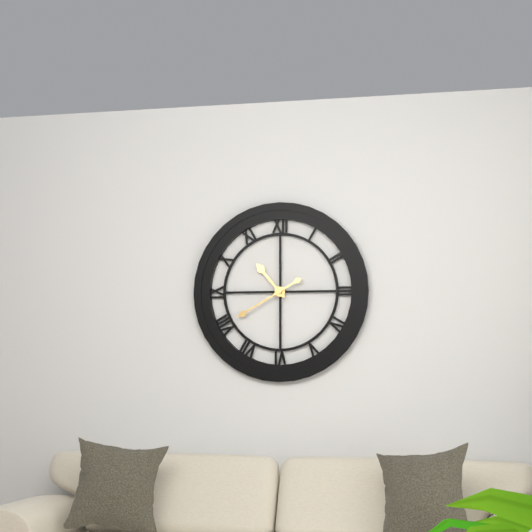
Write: 10:40
